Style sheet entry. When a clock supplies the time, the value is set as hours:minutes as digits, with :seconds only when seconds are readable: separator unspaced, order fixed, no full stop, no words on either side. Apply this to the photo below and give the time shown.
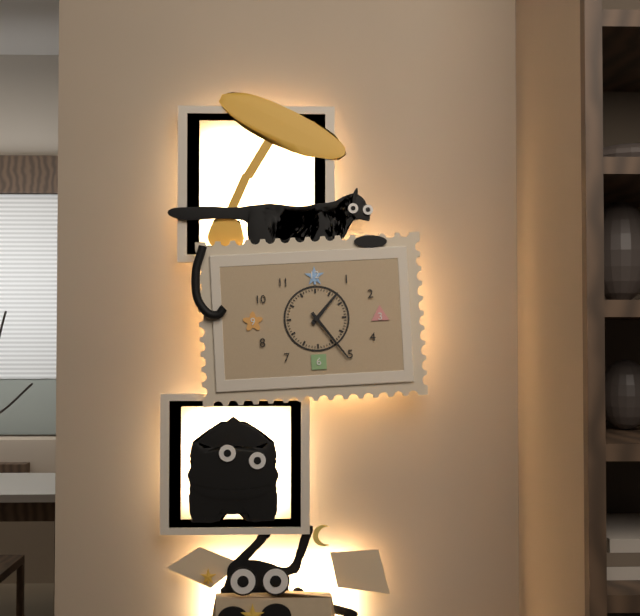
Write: 1:24
